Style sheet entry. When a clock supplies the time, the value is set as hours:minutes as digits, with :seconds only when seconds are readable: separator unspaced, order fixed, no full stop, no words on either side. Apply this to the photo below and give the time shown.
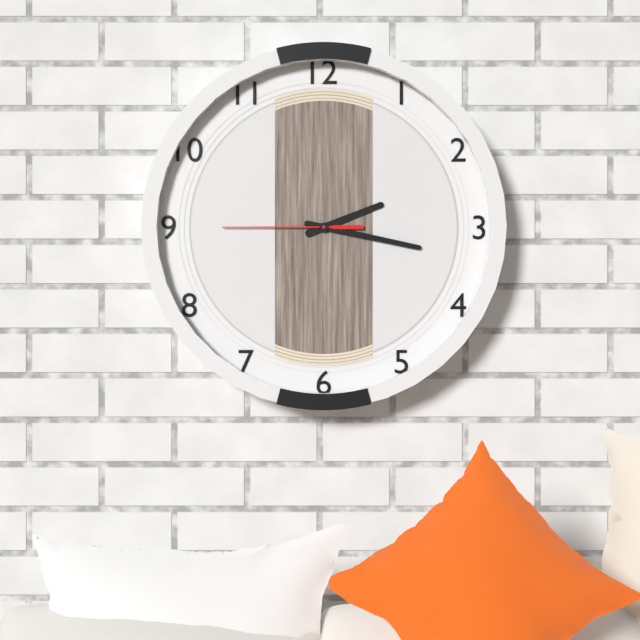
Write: 2:17:45
